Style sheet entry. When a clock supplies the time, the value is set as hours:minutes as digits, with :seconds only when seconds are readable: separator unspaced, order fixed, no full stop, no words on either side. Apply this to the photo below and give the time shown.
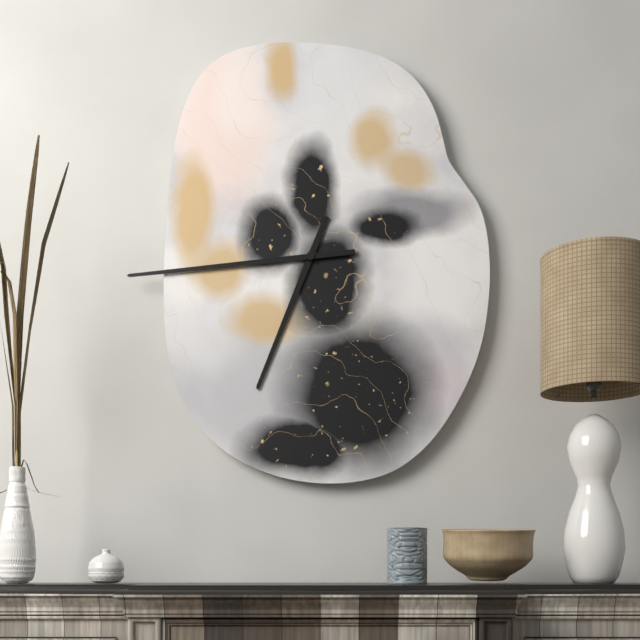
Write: 6:44
